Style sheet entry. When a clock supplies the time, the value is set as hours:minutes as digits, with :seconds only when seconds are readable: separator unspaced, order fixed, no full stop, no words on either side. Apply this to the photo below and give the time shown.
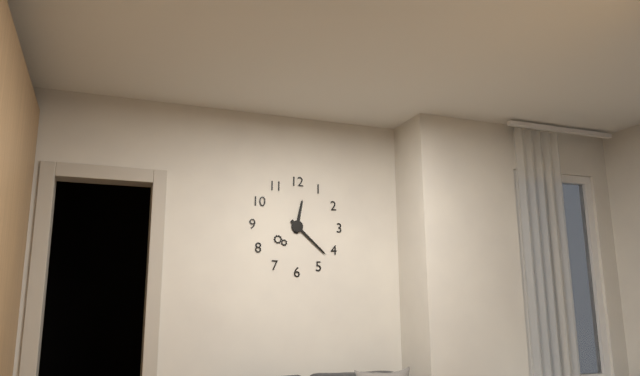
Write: 12:22
